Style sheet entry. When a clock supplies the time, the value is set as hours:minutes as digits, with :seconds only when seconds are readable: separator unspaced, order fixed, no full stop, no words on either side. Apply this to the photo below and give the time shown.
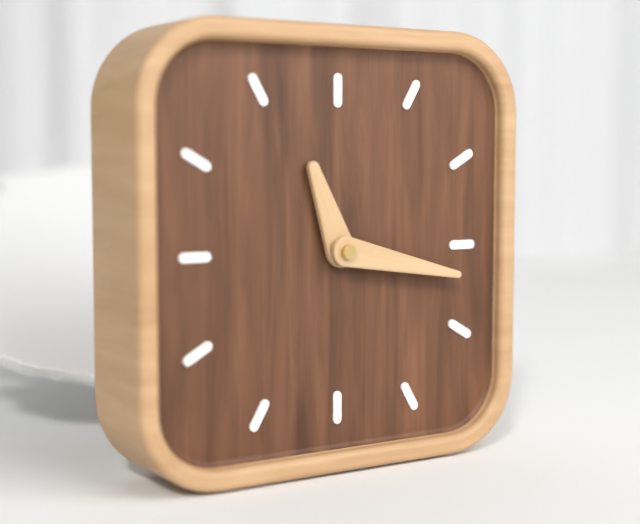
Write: 11:17
